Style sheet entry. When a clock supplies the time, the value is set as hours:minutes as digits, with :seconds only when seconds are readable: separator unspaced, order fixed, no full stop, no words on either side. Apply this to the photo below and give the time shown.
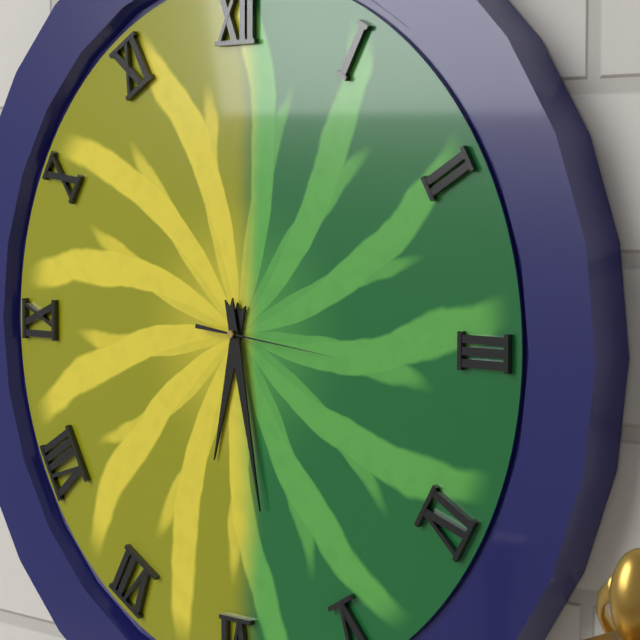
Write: 6:28:16
